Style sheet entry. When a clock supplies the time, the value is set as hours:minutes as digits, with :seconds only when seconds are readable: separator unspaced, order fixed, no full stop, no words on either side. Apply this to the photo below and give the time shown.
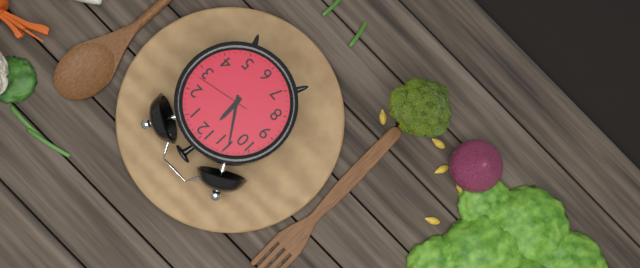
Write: 11:54:13
